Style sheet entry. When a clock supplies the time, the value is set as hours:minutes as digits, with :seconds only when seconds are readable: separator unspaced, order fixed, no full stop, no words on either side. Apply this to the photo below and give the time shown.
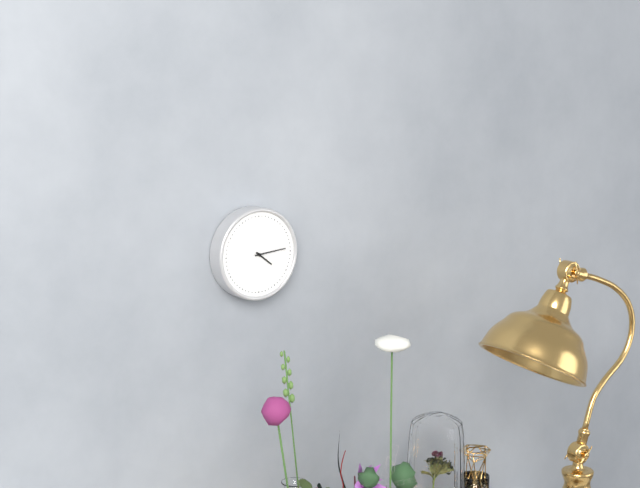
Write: 4:14
